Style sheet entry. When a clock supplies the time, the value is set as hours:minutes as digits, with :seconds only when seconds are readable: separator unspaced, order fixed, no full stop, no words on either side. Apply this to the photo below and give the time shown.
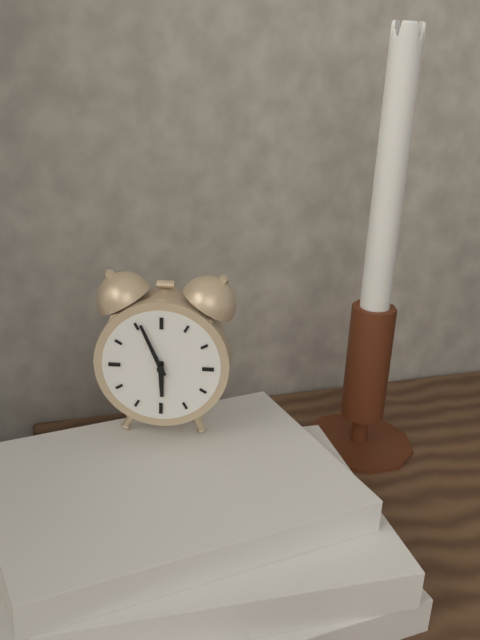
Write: 5:56
